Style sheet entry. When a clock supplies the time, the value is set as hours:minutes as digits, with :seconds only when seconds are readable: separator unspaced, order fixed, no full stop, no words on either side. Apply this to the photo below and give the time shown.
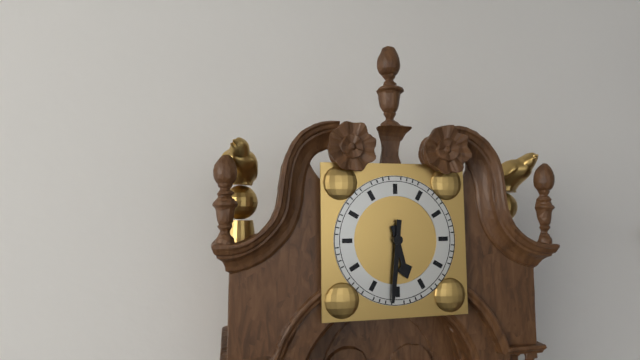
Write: 5:31
